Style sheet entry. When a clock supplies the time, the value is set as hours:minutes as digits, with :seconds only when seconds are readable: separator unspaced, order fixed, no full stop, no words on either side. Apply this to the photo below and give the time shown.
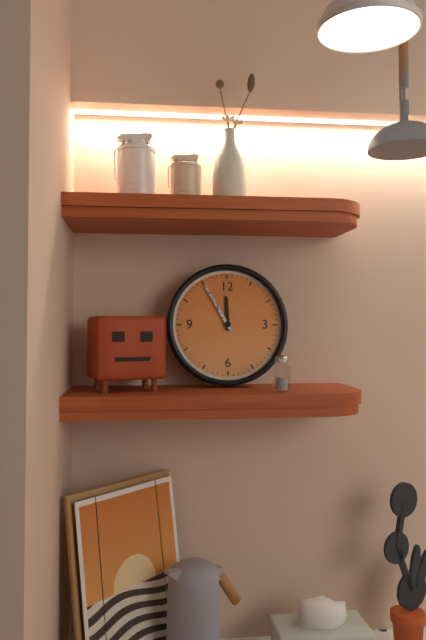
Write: 11:55
